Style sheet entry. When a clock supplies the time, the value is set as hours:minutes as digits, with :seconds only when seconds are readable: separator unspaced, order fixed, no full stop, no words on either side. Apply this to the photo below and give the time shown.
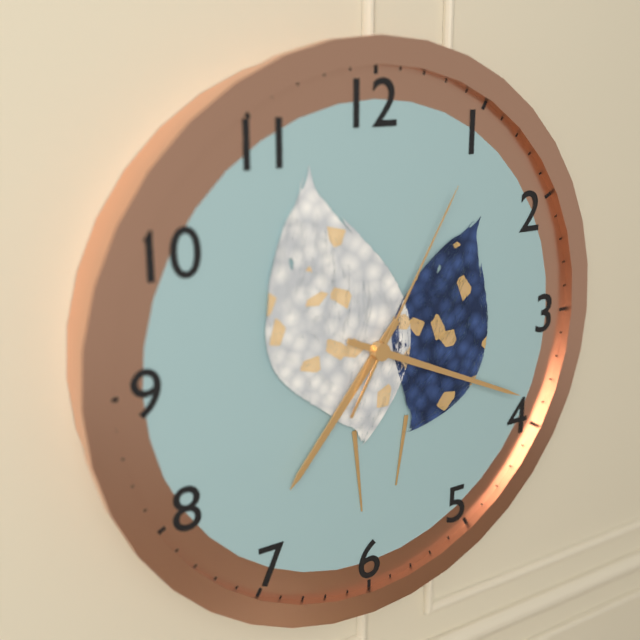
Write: 7:19:05
